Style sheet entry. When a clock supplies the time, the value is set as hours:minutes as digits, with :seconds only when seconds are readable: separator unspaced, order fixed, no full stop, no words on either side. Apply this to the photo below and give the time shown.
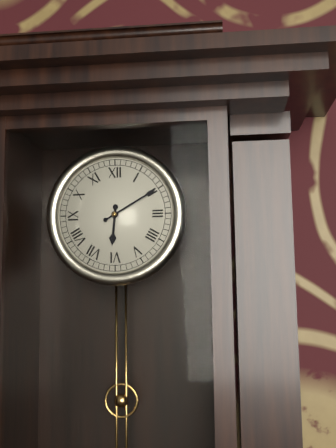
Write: 6:10
